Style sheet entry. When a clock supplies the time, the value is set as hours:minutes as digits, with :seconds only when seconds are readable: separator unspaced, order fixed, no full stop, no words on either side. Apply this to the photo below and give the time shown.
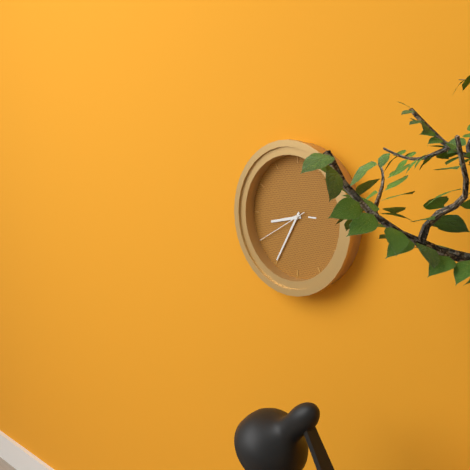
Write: 8:35:40
